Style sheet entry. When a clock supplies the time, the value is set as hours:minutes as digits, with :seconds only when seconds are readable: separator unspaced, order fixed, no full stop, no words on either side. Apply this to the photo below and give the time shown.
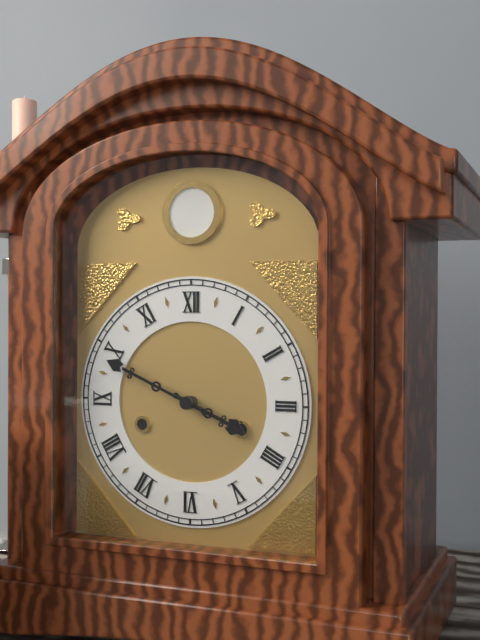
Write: 3:49
